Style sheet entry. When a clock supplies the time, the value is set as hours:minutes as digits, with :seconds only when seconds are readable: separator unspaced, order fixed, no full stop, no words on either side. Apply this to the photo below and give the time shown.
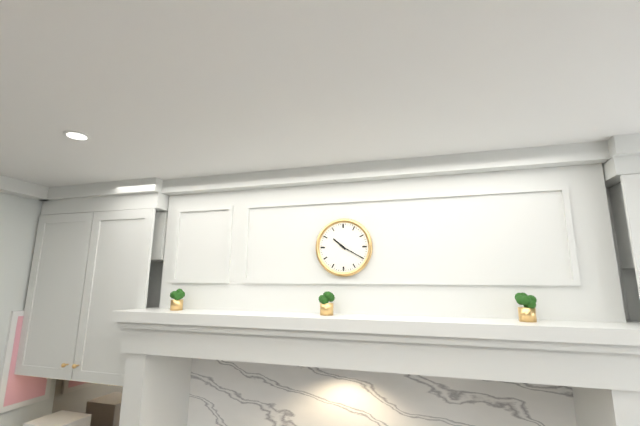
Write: 10:20
